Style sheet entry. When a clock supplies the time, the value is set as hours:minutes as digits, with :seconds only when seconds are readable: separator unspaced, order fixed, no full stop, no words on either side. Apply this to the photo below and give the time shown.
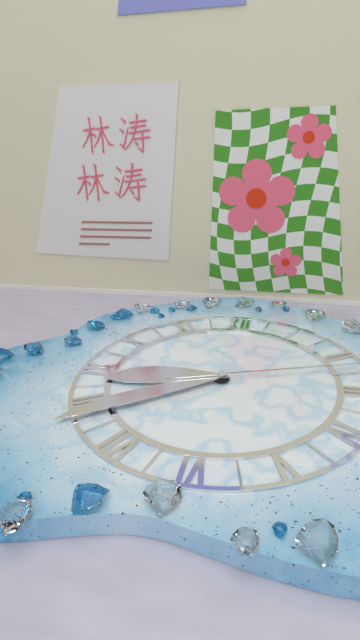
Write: 8:39
